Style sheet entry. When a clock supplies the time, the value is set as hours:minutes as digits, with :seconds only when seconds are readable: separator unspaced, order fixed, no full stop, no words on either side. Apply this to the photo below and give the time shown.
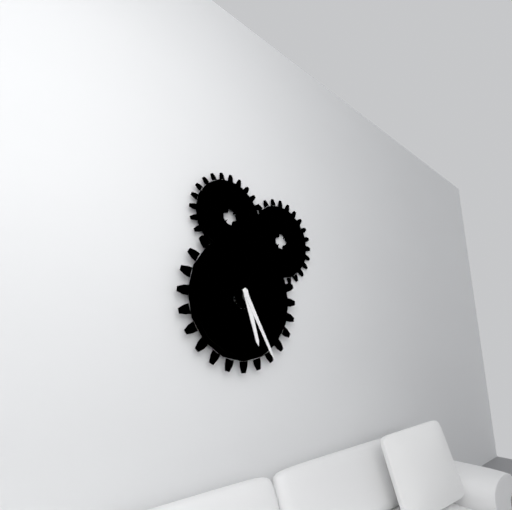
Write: 5:25
